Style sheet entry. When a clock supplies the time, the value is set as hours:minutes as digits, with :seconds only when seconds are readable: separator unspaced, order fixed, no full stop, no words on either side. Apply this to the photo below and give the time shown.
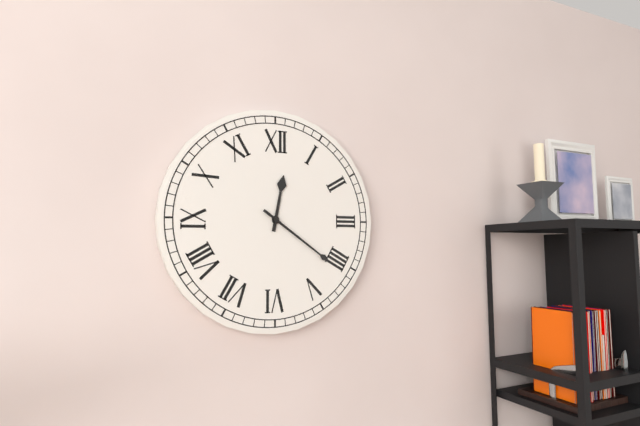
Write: 12:21
